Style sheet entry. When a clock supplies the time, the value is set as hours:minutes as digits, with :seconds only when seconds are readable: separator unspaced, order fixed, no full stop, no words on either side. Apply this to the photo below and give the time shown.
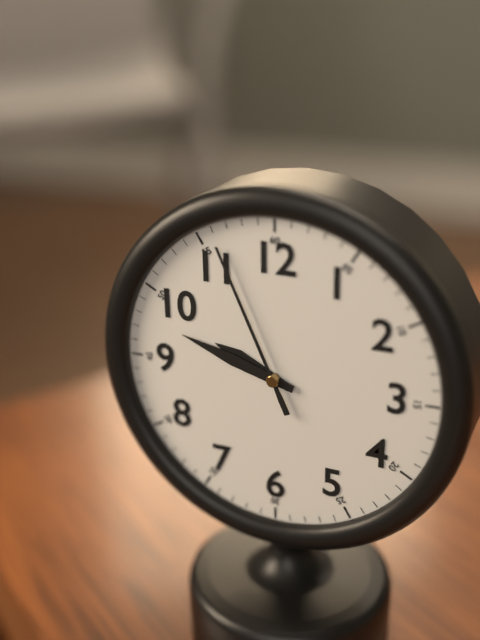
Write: 9:48:56
